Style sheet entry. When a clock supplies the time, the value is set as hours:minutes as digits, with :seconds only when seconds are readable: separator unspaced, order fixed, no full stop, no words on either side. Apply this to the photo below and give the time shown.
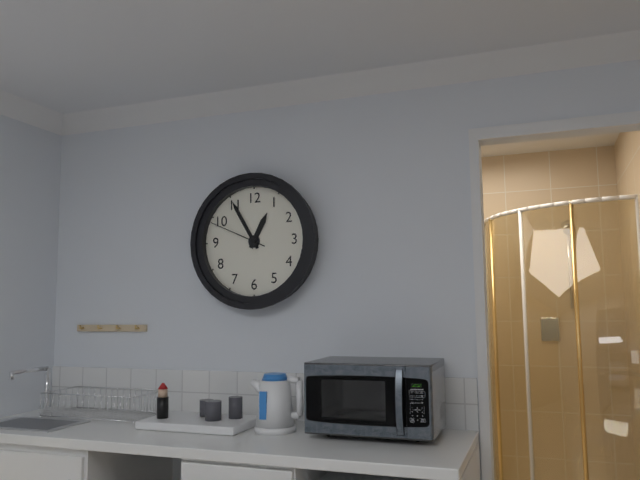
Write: 12:55:49
